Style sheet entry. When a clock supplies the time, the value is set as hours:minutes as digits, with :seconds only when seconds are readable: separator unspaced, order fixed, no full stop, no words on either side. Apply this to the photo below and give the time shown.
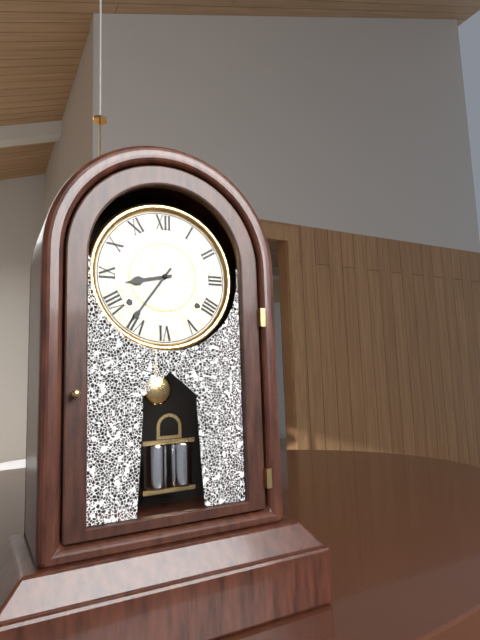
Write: 8:36
